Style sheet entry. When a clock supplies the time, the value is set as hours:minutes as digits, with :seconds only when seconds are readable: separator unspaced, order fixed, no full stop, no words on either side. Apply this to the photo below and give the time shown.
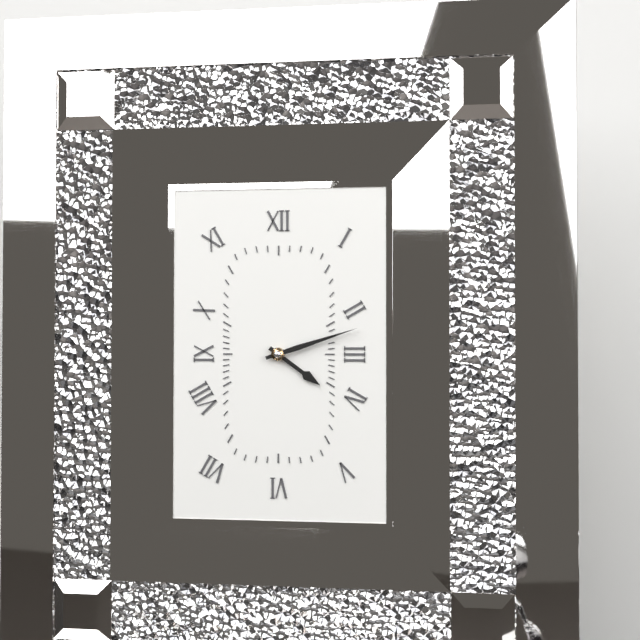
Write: 4:12
